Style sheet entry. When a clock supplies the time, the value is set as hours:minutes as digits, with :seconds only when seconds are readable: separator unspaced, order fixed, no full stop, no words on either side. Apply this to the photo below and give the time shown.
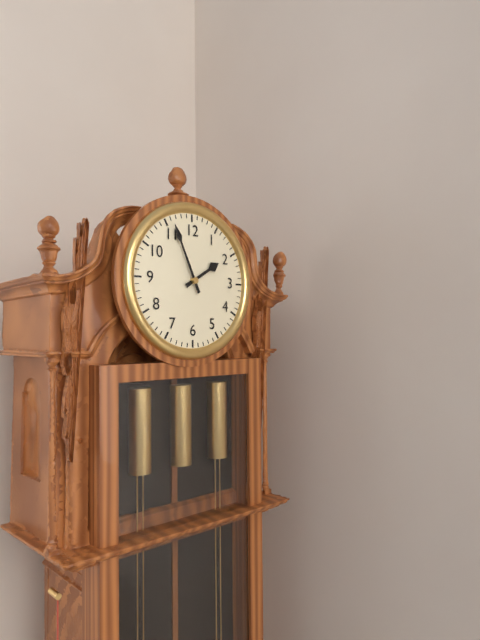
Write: 1:56
